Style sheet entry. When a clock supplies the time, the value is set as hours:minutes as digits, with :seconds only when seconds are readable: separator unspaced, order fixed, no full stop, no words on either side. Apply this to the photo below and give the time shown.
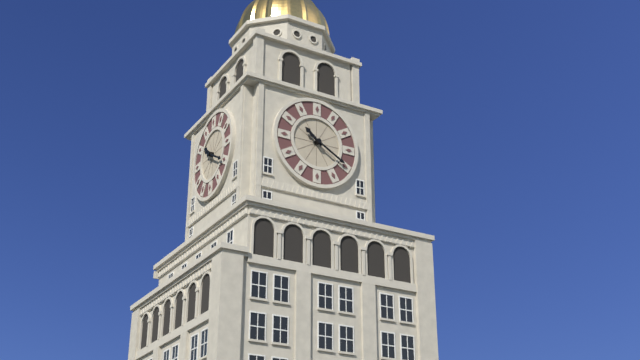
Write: 10:20
